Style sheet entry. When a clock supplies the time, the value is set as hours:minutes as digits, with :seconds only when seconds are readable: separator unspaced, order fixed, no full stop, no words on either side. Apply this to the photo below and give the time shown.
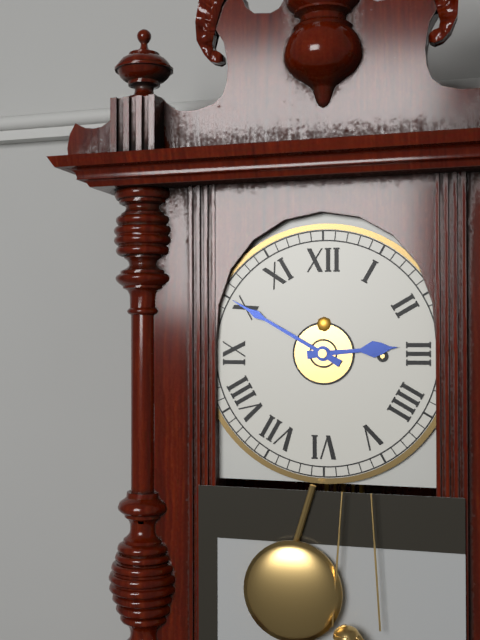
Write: 2:50
